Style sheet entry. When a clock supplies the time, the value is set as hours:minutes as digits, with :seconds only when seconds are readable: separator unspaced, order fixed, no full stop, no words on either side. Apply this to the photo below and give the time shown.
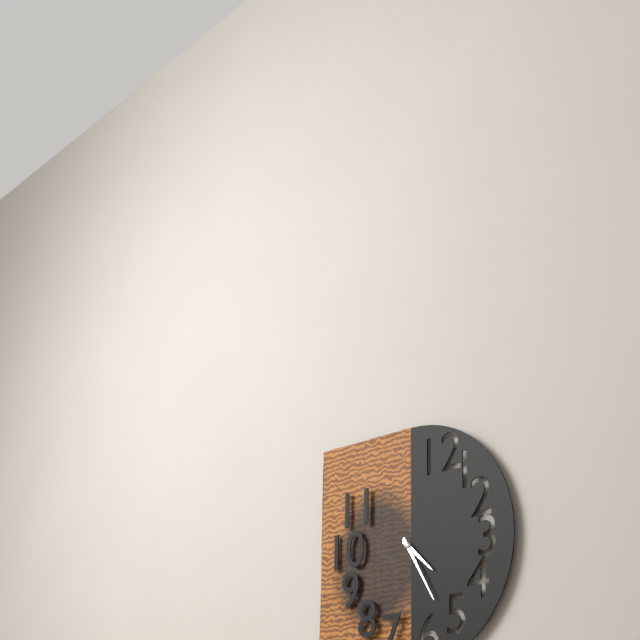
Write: 4:25
